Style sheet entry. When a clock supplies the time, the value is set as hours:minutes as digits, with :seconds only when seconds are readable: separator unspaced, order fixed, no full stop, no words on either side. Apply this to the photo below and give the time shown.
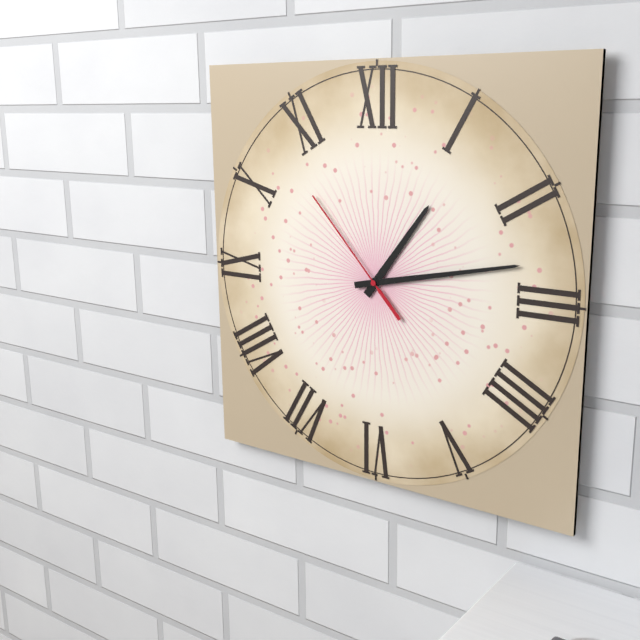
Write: 1:13:53
